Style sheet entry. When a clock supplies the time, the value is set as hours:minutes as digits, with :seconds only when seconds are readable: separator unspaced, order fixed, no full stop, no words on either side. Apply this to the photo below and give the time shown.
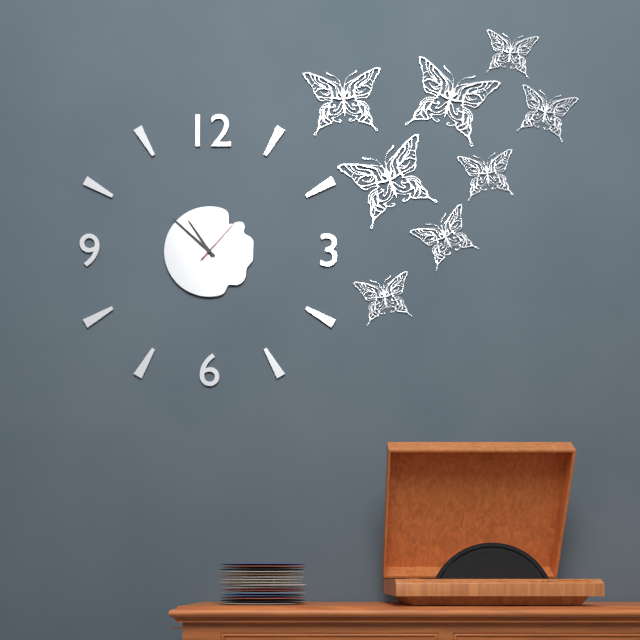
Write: 10:52:07
